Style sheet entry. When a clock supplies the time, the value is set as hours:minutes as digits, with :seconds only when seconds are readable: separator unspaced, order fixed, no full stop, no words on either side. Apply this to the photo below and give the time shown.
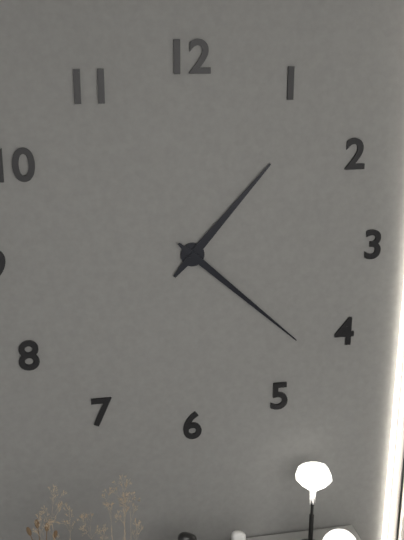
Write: 1:22
